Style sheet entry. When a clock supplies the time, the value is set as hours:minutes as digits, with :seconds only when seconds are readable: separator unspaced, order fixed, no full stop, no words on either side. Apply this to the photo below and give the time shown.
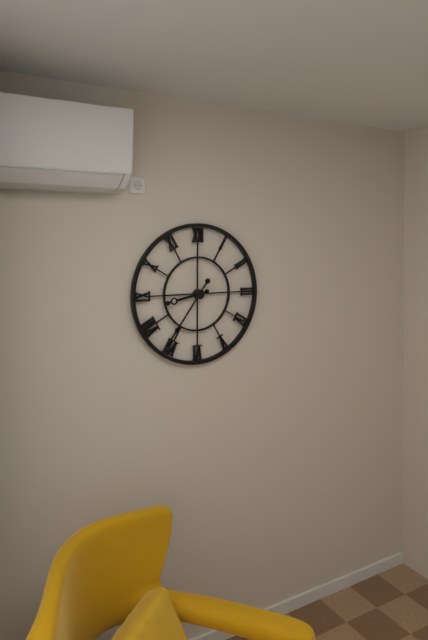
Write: 8:36
